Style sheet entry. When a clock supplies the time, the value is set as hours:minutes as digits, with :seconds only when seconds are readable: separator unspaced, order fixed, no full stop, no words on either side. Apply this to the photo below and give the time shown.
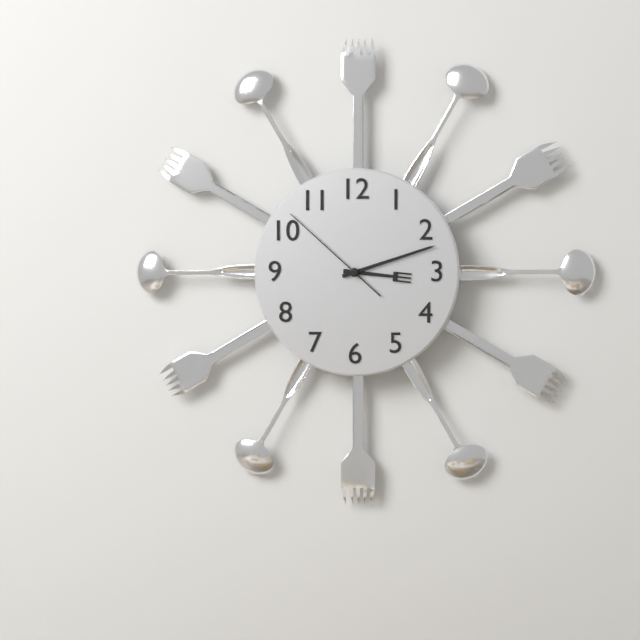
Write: 3:12:52
